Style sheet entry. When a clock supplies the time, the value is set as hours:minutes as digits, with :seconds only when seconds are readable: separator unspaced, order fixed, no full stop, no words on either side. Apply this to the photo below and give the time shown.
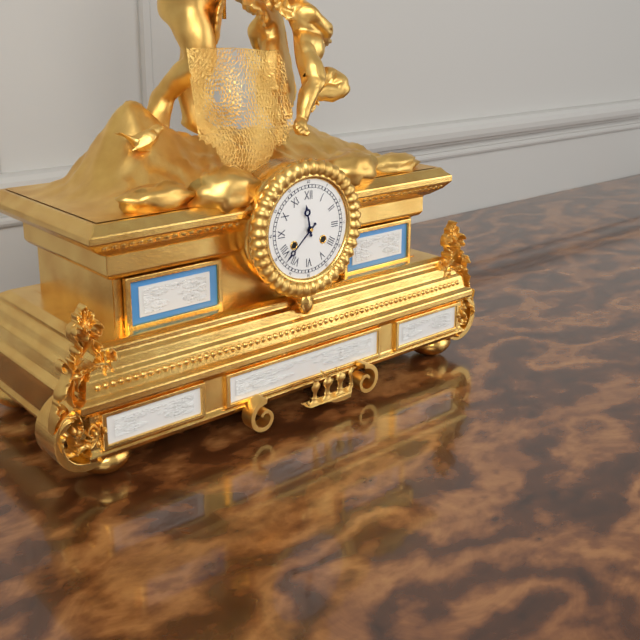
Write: 11:38
